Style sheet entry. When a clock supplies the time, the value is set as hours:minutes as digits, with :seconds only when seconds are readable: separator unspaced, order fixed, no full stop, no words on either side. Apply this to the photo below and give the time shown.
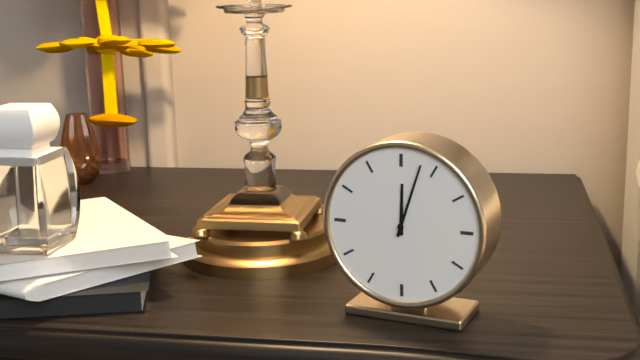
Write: 12:03
